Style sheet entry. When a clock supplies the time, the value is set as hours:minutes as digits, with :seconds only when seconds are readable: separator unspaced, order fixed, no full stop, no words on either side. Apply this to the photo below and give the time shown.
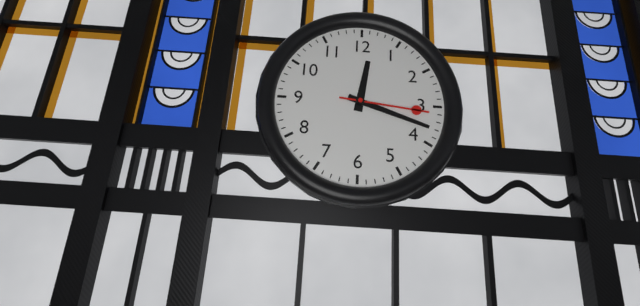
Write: 12:18:16
